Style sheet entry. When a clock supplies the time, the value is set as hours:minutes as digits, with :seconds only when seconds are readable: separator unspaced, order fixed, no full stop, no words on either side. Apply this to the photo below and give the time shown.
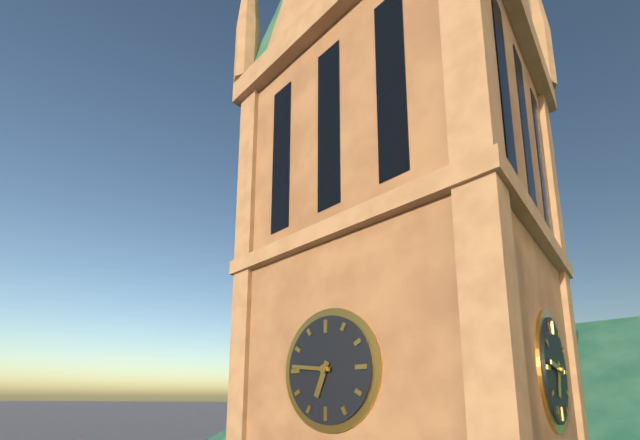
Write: 6:46
